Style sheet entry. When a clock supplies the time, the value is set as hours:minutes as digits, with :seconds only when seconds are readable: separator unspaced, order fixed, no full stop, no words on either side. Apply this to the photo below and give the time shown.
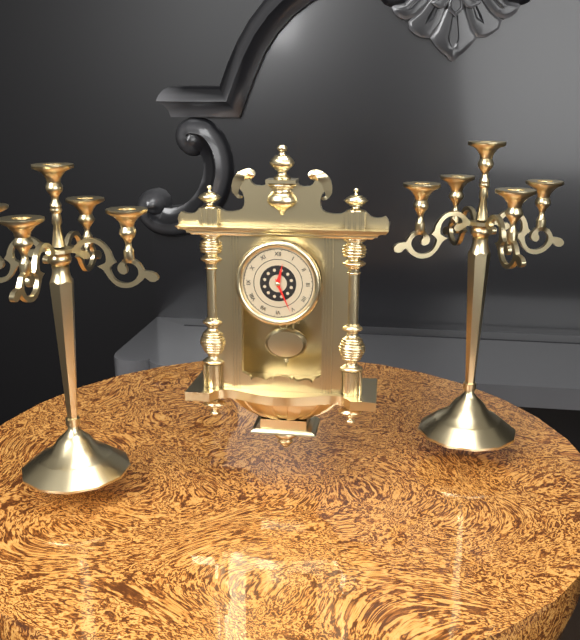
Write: 12:26
